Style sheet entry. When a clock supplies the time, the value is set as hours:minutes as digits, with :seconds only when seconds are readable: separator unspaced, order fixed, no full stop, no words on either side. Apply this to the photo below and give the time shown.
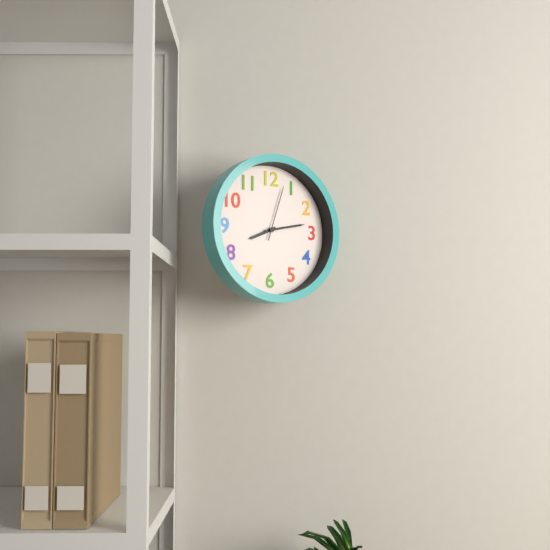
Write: 8:13:03
